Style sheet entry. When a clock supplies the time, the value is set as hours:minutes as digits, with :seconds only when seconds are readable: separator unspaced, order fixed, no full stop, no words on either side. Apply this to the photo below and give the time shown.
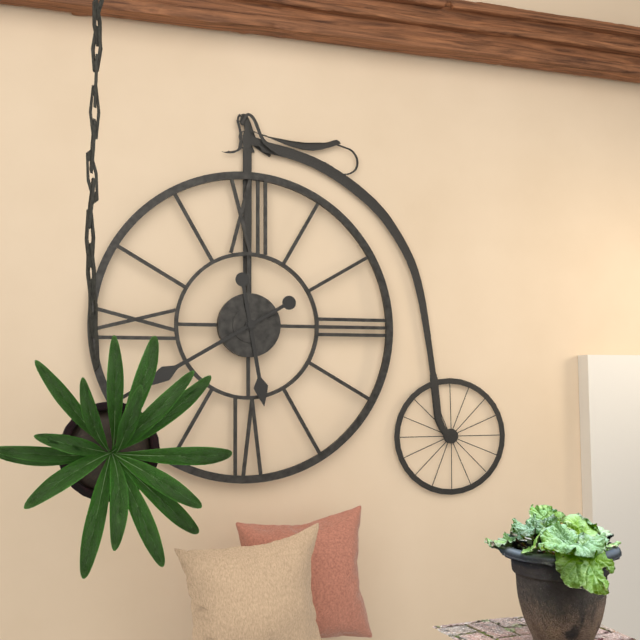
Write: 5:40
